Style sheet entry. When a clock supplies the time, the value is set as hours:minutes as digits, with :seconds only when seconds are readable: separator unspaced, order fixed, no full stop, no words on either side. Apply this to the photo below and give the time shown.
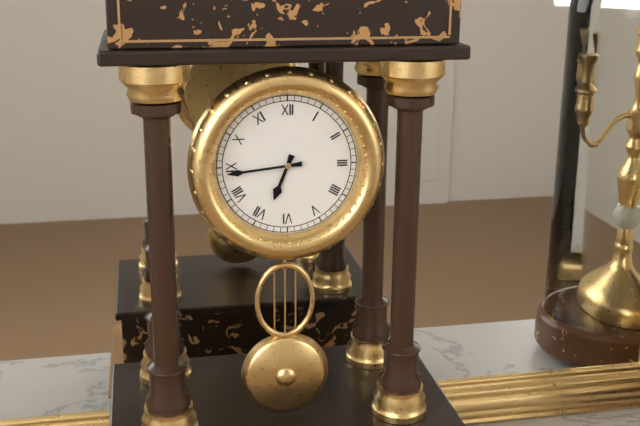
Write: 6:44
